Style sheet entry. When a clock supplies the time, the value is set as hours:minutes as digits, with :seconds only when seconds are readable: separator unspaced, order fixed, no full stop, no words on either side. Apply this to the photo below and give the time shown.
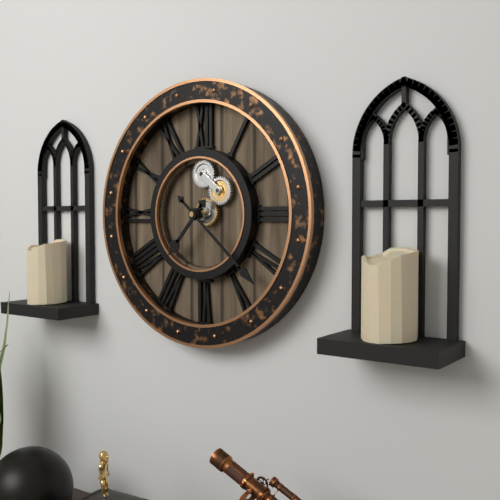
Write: 7:22
